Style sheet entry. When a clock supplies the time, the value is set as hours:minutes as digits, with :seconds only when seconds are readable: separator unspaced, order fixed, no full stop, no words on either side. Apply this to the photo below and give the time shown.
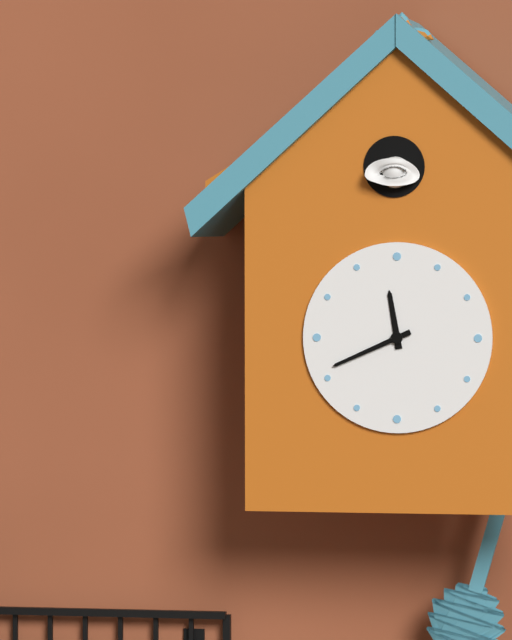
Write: 11:41
